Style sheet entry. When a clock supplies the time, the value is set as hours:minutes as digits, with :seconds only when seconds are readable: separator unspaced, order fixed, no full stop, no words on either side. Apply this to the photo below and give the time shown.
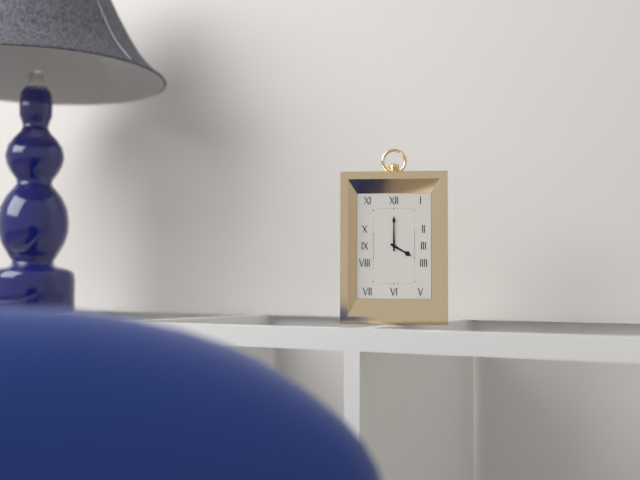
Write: 4:00
